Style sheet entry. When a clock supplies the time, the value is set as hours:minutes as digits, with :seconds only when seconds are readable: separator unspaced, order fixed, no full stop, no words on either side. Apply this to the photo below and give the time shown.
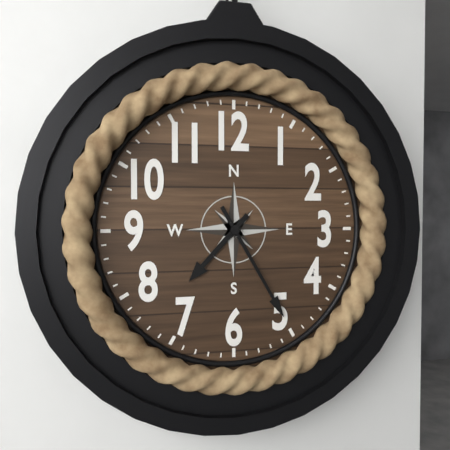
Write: 7:25
